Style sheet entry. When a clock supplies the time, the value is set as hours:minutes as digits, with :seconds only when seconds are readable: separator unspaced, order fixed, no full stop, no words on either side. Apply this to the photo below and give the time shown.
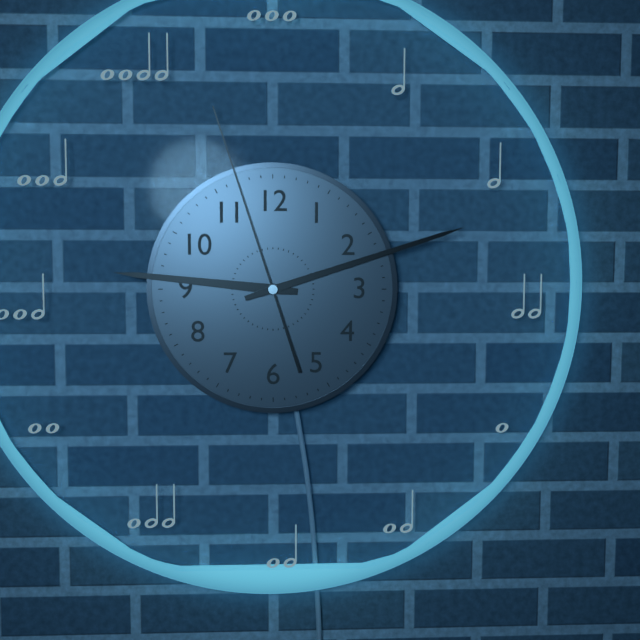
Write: 9:12:57
